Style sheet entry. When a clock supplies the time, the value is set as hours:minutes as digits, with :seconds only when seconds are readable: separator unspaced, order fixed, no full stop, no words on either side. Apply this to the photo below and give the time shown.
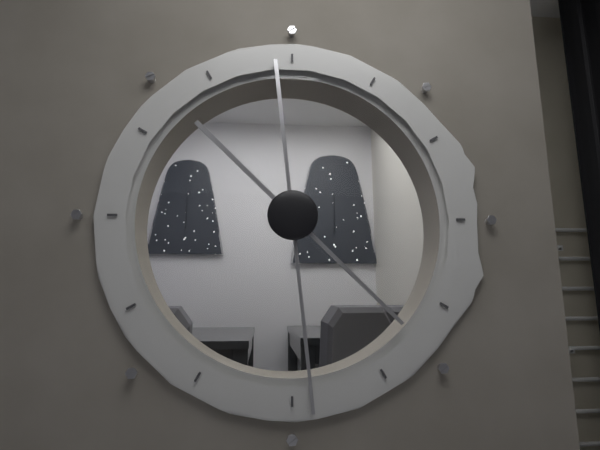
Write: 4:29
